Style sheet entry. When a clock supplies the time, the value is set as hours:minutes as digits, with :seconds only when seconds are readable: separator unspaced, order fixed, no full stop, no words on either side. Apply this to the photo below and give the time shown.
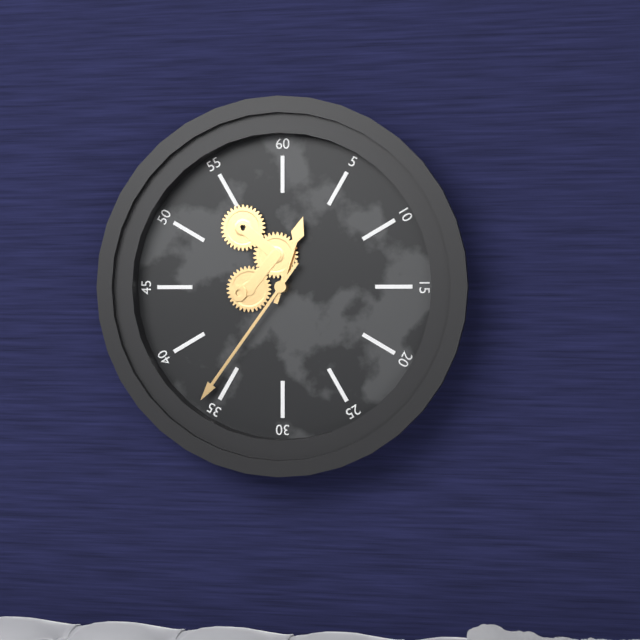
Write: 12:36
